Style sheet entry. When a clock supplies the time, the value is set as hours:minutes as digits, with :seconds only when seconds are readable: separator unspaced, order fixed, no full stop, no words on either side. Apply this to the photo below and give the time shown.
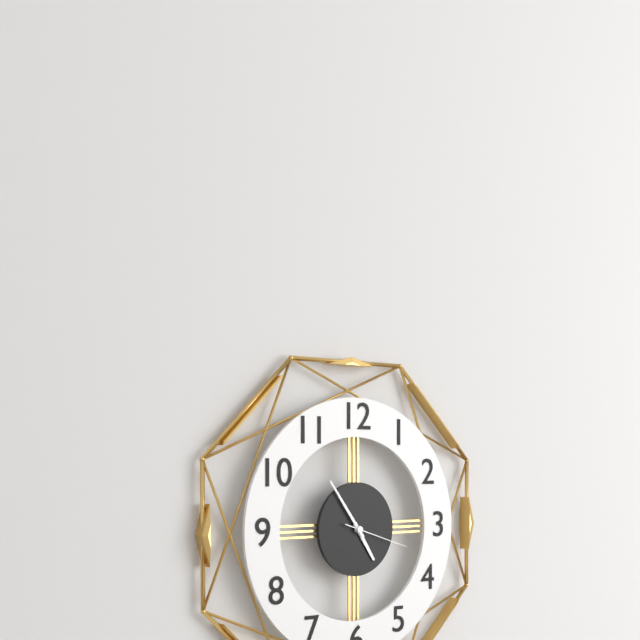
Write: 4:54:18
